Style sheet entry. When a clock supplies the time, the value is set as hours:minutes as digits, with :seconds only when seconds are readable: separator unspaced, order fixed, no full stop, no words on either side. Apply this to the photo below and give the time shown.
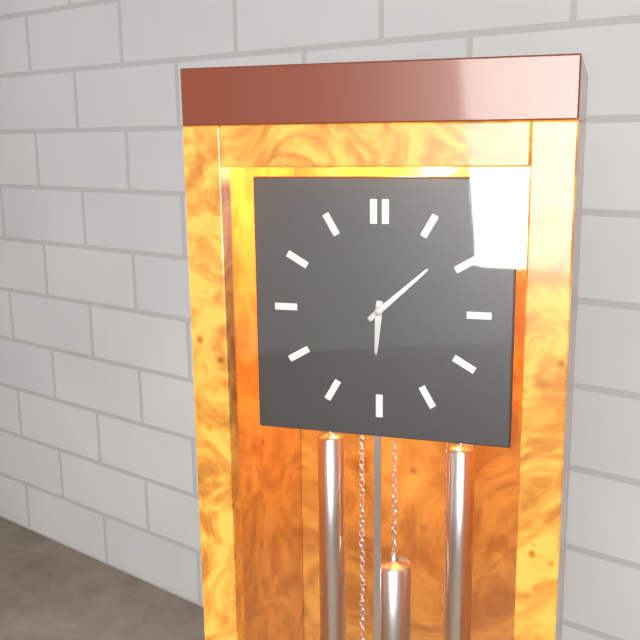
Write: 6:08
